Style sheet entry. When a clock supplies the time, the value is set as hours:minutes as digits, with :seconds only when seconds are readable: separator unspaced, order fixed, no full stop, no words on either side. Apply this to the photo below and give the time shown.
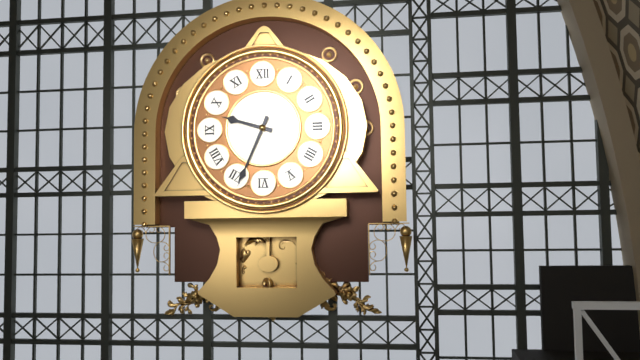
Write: 9:34
